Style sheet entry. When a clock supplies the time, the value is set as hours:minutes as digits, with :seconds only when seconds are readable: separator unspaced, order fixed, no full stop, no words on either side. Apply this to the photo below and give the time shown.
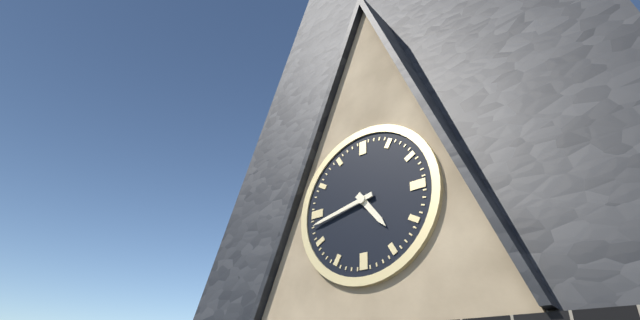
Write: 4:43
